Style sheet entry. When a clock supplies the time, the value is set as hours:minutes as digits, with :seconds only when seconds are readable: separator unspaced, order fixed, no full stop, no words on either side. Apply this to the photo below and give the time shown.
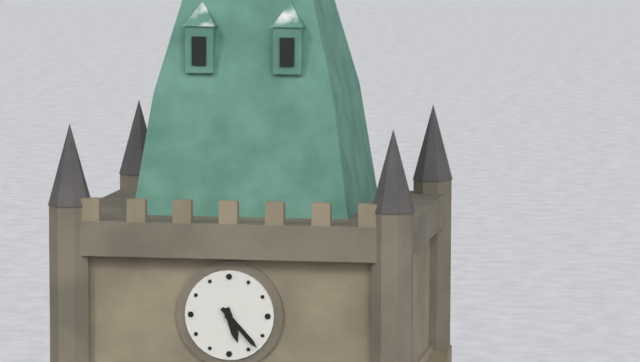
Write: 5:23
